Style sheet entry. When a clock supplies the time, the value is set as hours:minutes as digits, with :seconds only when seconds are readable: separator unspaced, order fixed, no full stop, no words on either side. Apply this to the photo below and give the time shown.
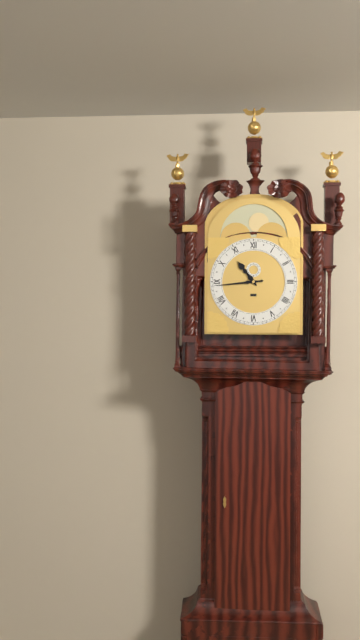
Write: 10:44
